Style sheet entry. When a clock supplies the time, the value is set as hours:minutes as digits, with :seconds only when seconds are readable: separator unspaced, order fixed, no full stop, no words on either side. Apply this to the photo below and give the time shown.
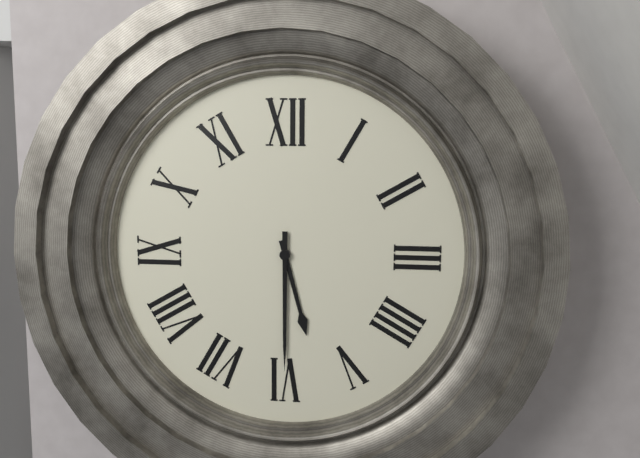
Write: 5:30
